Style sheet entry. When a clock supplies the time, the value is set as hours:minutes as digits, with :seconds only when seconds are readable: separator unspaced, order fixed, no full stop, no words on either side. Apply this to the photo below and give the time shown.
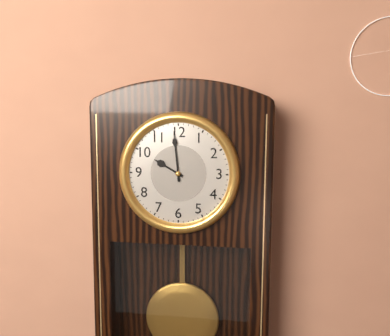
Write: 9:59
